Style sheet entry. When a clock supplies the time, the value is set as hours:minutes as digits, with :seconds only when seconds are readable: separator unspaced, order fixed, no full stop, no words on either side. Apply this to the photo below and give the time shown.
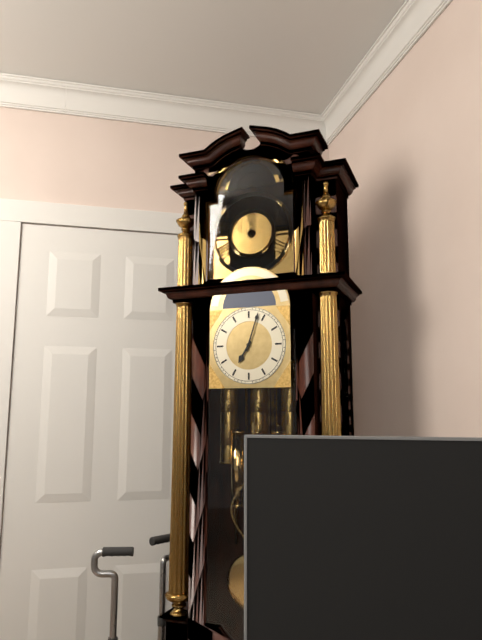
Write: 7:03
